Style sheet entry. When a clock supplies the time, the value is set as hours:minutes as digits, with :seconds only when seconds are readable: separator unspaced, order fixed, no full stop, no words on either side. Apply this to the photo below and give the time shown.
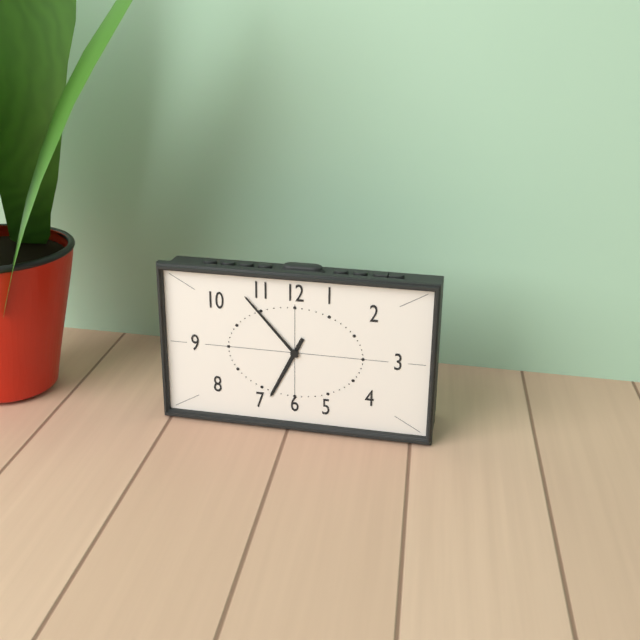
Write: 6:53
